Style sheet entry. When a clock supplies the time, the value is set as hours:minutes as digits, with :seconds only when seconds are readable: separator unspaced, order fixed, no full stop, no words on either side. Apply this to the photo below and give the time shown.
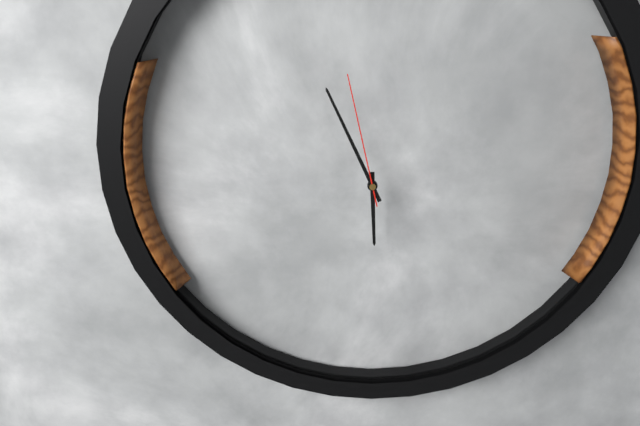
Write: 5:56:58
